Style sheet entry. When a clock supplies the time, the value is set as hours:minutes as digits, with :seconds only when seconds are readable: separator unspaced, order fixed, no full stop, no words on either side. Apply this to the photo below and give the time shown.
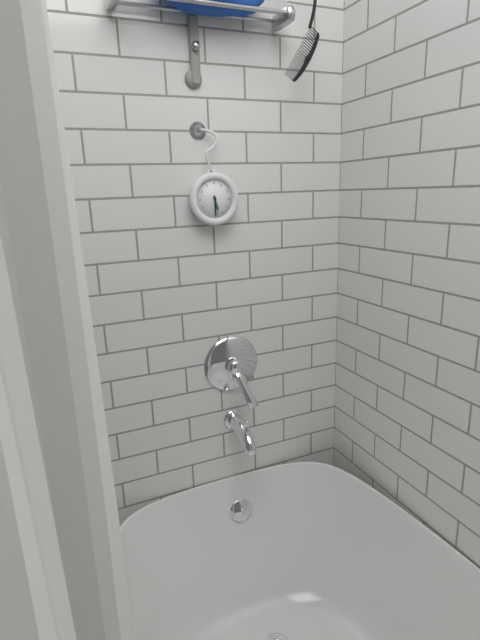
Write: 5:30
